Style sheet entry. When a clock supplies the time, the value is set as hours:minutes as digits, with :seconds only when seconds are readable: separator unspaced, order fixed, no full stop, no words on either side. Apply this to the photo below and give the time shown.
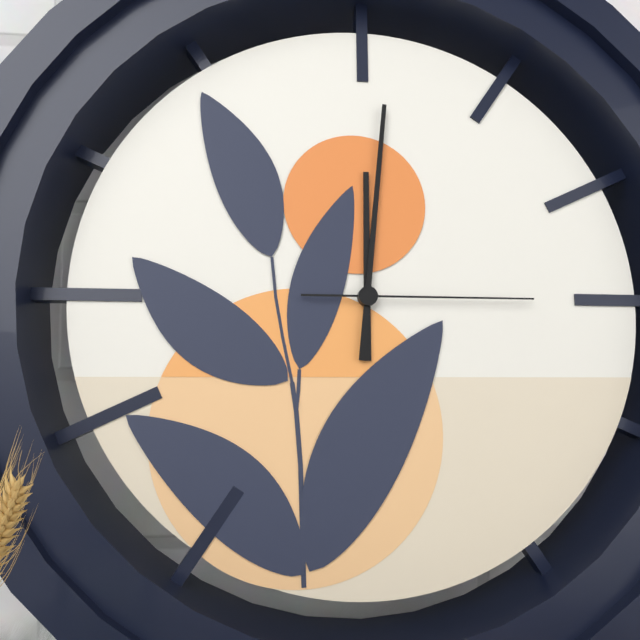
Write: 12:01:15
